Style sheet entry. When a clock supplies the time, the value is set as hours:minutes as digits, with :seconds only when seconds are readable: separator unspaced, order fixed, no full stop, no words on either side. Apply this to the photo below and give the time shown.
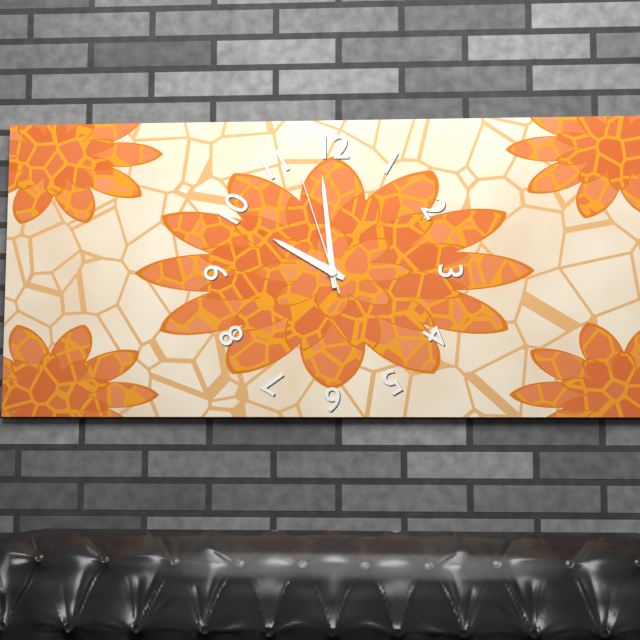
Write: 9:59:57
